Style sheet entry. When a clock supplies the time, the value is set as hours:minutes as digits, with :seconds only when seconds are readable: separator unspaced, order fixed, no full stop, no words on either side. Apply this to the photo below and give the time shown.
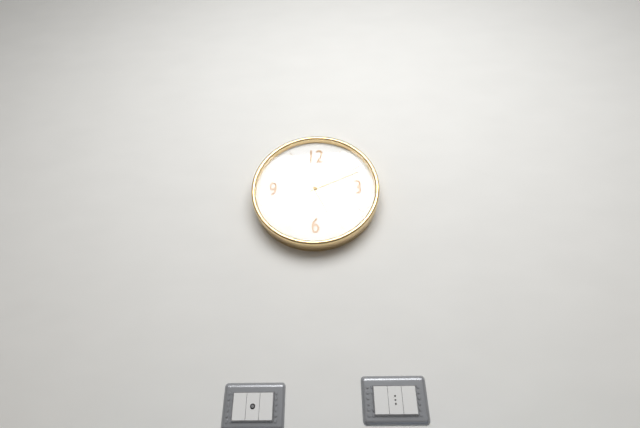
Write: 5:11
